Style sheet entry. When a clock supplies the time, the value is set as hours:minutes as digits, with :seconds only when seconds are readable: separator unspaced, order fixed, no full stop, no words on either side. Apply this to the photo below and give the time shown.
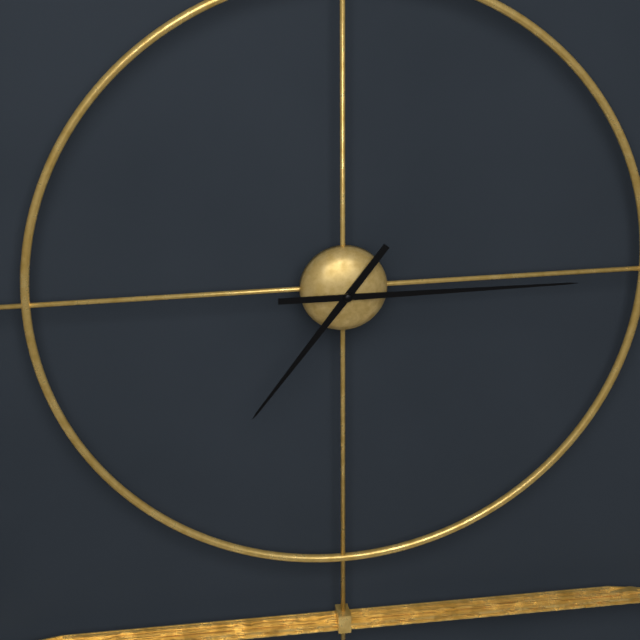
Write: 7:15
